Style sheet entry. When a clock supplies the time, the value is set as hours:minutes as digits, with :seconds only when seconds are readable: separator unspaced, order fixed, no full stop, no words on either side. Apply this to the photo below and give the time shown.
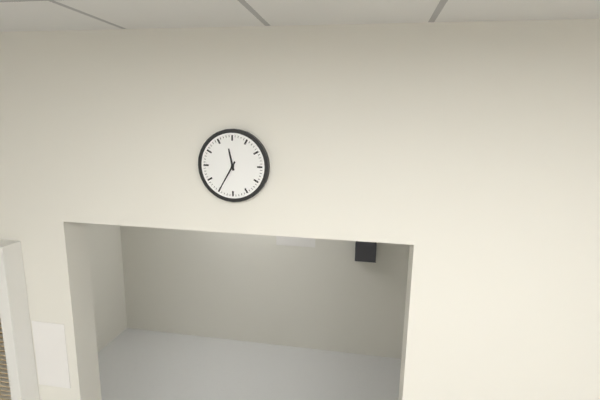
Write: 11:35
